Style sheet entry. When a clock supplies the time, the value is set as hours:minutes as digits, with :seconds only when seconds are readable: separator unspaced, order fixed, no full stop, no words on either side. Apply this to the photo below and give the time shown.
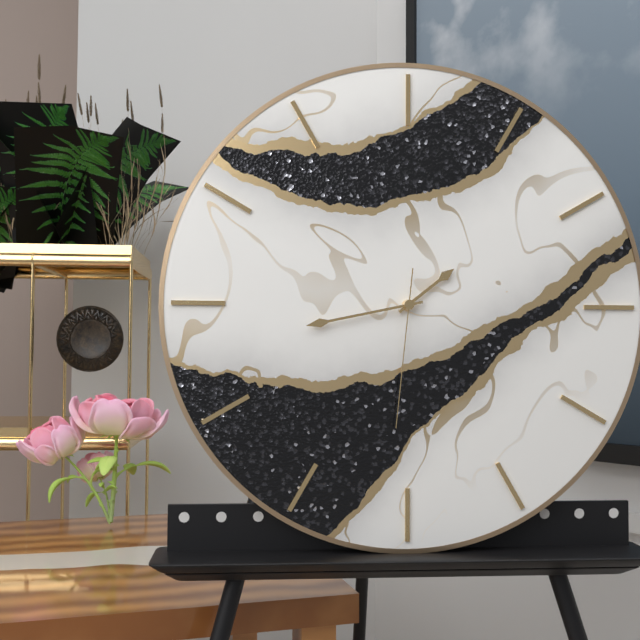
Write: 1:43:31
